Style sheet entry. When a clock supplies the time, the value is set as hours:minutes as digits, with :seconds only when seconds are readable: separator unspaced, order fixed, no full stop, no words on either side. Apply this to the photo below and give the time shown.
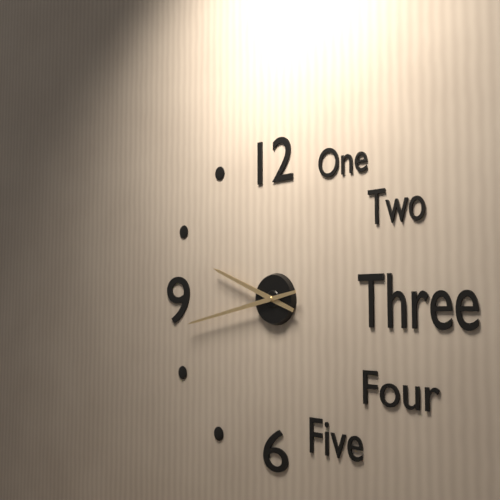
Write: 9:43
